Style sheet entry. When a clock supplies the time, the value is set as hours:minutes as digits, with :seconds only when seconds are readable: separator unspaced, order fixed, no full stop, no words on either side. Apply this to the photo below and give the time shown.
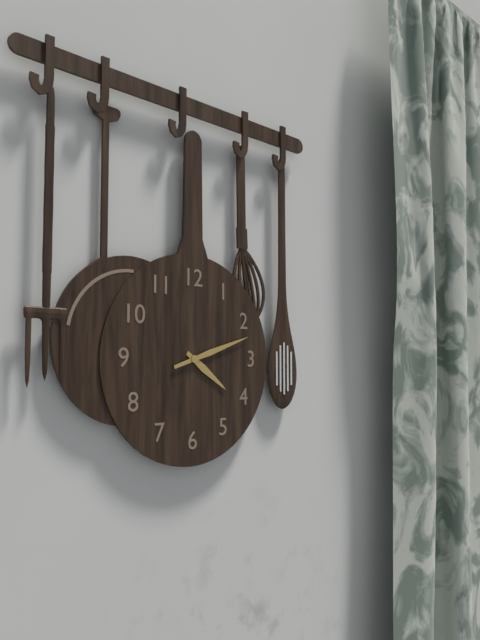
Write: 4:12
